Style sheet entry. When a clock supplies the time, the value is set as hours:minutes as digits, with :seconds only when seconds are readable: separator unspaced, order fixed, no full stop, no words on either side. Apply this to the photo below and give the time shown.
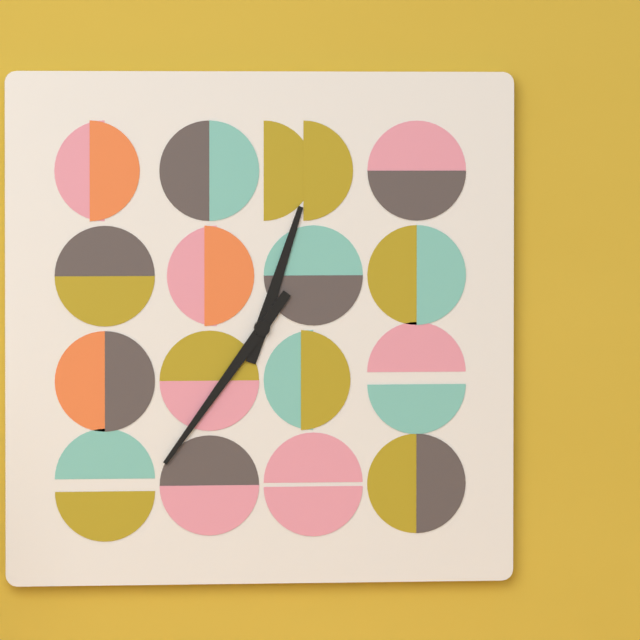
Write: 12:36
